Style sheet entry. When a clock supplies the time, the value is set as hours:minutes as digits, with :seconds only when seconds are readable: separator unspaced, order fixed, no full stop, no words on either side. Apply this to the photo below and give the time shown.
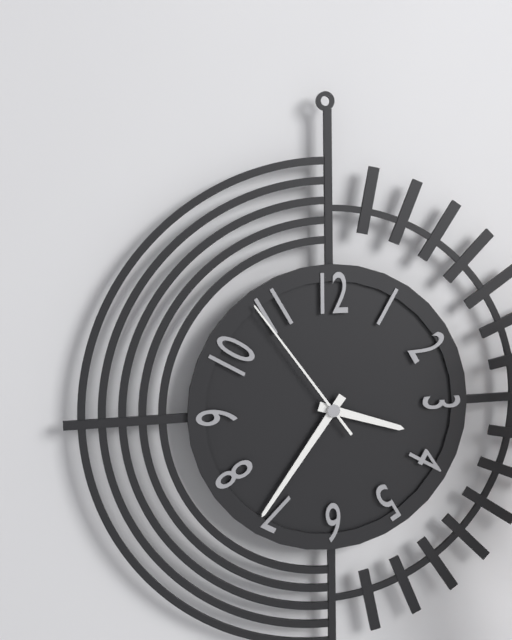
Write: 3:36:54
